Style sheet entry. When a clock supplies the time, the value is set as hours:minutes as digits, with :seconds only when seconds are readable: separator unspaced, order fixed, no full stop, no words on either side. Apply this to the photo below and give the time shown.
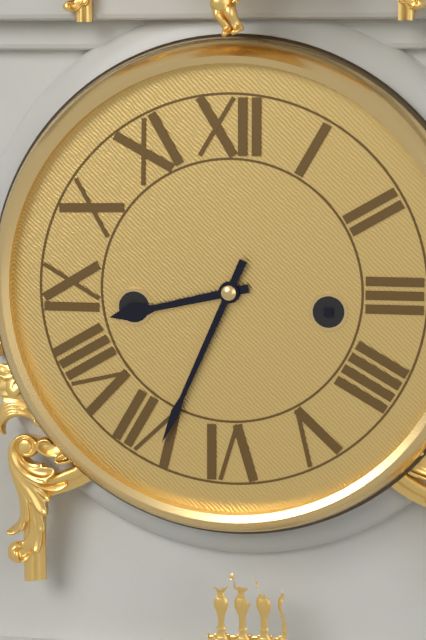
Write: 8:34
